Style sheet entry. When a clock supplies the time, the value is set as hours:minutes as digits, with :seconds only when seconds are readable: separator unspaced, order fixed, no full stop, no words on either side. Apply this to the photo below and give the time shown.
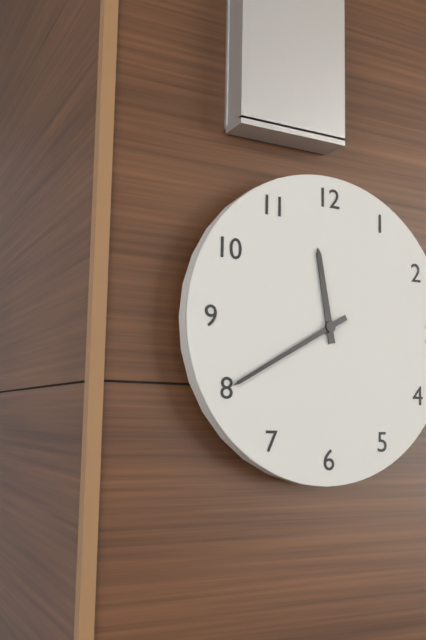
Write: 11:40
